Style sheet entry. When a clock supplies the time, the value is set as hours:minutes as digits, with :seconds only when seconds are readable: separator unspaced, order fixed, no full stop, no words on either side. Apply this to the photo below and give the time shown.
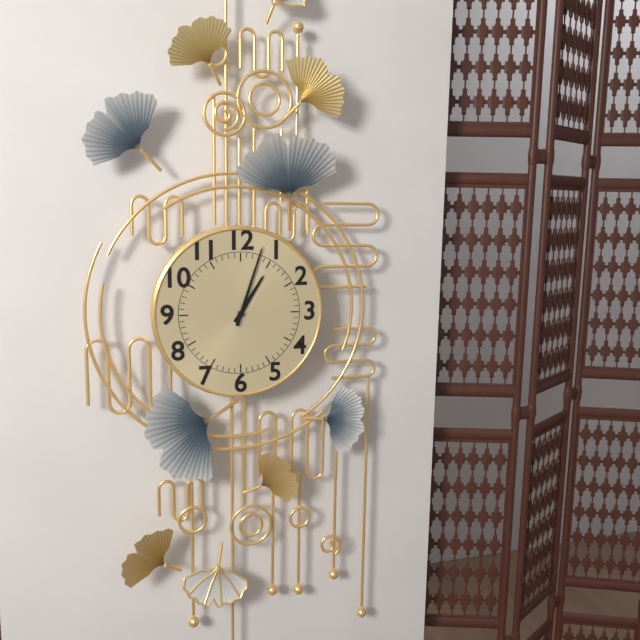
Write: 1:03
